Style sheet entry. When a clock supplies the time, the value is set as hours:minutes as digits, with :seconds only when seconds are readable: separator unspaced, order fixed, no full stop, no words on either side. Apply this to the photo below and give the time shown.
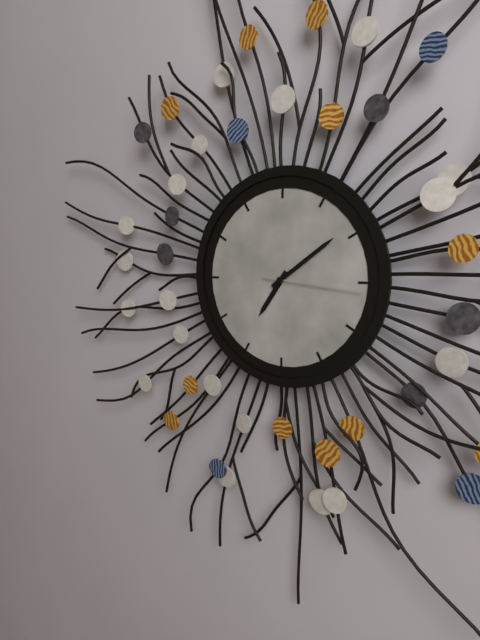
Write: 7:09:16
